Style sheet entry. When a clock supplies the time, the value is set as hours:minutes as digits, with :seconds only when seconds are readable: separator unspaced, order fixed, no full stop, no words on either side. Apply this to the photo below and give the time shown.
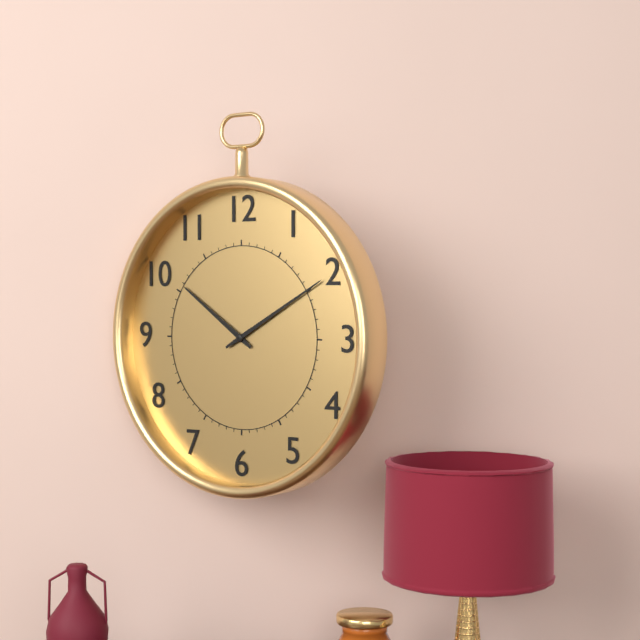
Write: 10:10
